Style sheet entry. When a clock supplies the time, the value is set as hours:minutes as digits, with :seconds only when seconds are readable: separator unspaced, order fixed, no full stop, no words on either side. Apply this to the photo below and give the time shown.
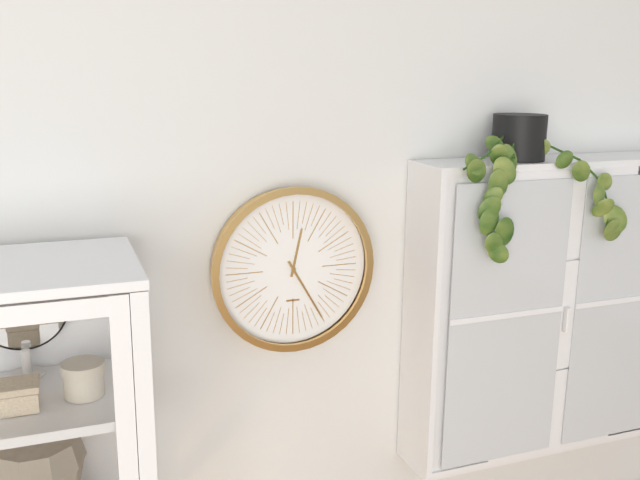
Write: 12:25
